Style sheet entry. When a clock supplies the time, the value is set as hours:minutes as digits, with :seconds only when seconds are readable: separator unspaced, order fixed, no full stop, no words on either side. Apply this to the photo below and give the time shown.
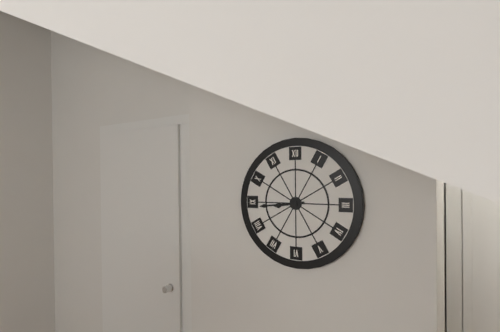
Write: 8:44
